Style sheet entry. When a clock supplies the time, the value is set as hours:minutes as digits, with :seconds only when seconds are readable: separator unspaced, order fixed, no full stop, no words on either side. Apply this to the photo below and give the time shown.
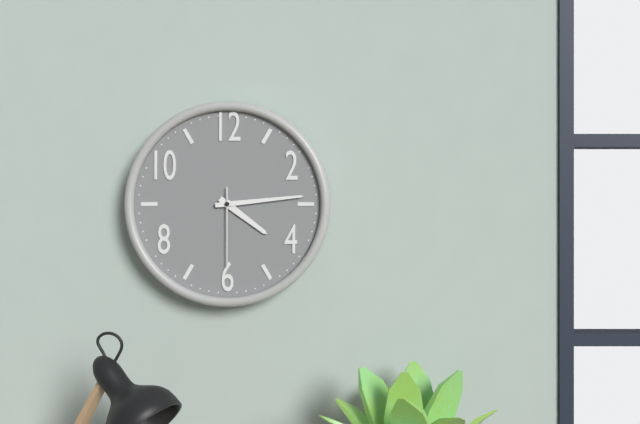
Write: 4:14:30
